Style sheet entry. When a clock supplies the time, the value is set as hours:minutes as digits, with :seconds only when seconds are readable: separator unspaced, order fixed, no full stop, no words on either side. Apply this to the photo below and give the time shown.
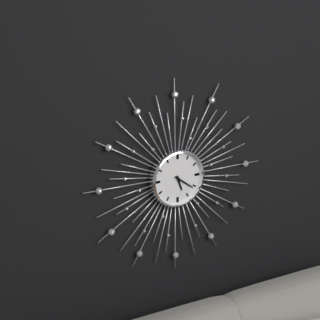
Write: 5:21
